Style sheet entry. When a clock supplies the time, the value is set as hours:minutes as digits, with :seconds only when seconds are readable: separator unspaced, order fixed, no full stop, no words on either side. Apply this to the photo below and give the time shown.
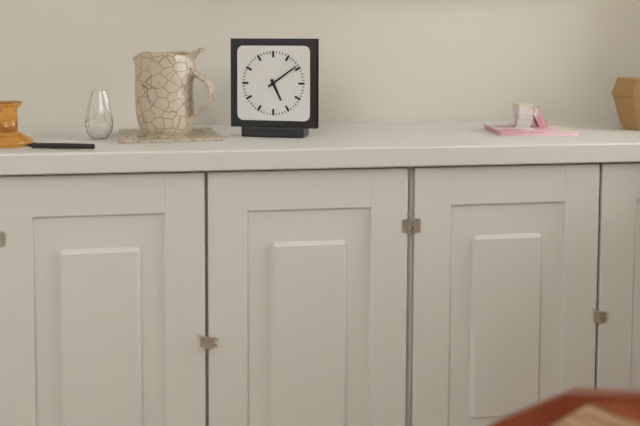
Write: 5:09
